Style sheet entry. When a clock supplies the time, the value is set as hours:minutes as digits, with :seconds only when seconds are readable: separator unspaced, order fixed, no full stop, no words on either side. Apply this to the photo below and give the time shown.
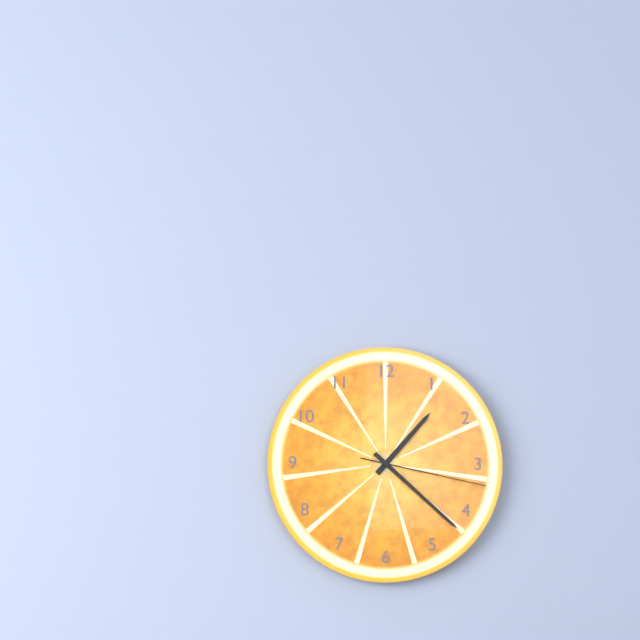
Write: 1:22:17
